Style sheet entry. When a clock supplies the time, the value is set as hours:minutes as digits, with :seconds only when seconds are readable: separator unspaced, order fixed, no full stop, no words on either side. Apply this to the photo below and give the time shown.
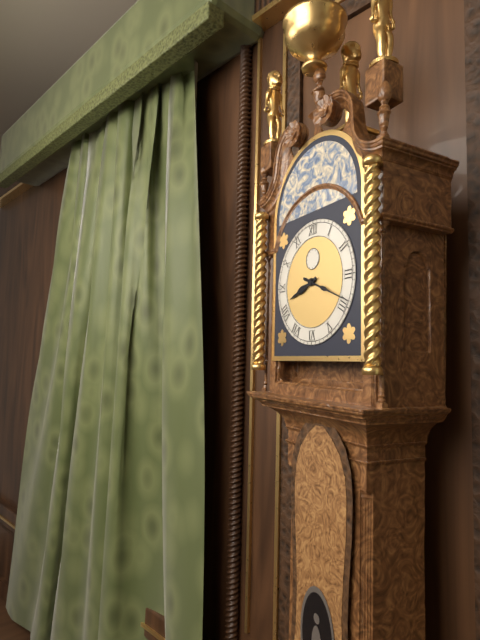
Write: 8:19
